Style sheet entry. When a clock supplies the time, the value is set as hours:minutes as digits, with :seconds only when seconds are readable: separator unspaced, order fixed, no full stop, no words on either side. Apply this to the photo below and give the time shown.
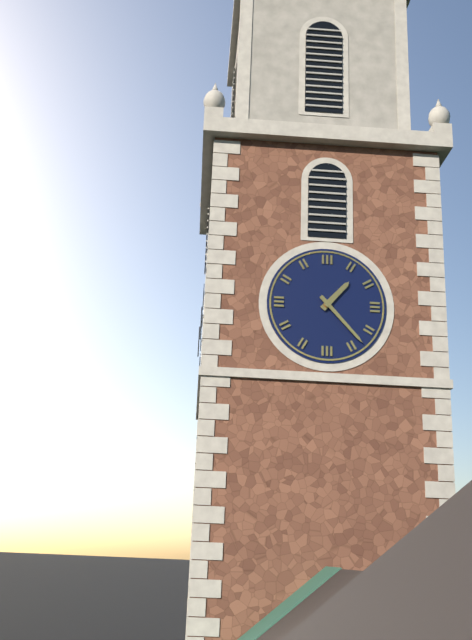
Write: 1:23
